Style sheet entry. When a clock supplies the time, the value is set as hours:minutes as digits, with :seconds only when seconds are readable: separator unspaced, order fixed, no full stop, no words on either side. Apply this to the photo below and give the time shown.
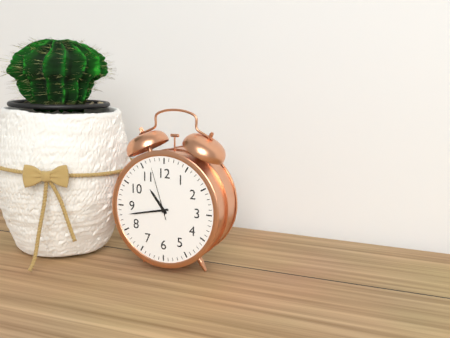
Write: 10:43:57
